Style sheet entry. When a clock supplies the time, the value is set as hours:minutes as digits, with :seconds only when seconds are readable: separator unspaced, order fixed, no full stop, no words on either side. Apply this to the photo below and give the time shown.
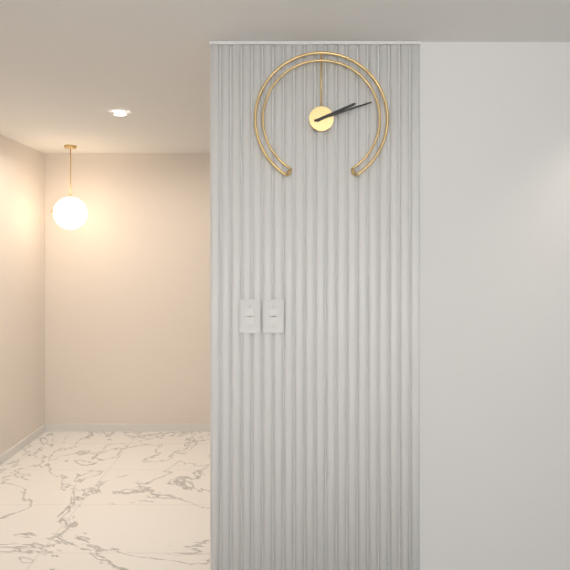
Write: 2:12
